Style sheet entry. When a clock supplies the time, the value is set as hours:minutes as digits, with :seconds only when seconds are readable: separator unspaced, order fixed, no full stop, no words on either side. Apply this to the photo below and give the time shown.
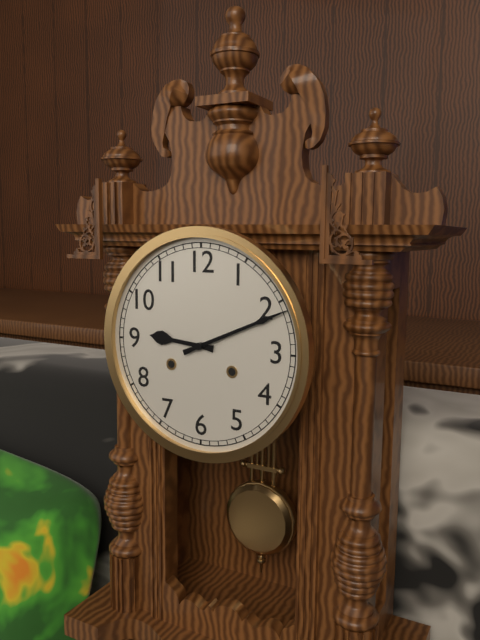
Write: 9:11
